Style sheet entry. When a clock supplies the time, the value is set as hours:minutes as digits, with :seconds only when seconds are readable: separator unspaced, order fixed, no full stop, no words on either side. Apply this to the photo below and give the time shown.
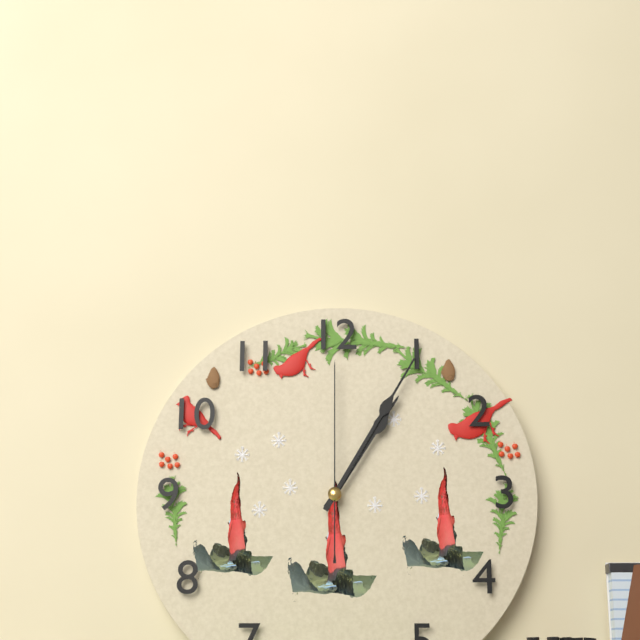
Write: 1:05:00
